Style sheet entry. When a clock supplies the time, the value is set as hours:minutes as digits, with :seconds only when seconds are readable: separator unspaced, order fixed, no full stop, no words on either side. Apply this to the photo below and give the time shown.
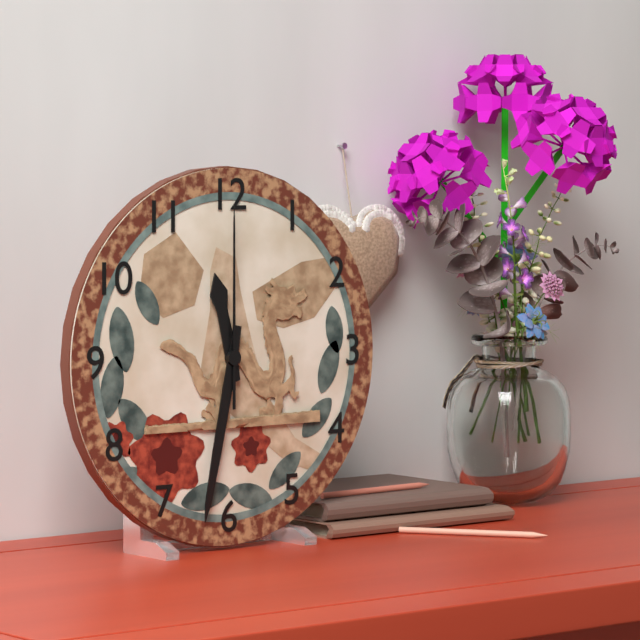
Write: 11:32:00
